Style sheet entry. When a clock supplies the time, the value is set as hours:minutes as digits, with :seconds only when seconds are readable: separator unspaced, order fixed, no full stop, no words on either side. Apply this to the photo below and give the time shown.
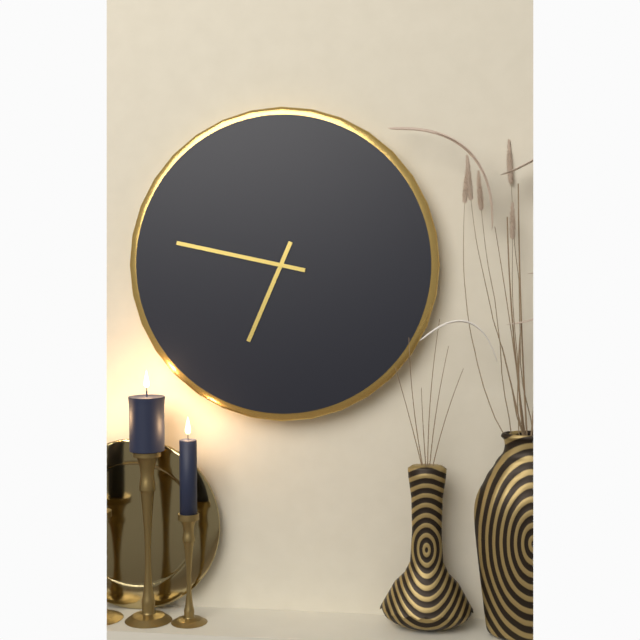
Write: 6:47
